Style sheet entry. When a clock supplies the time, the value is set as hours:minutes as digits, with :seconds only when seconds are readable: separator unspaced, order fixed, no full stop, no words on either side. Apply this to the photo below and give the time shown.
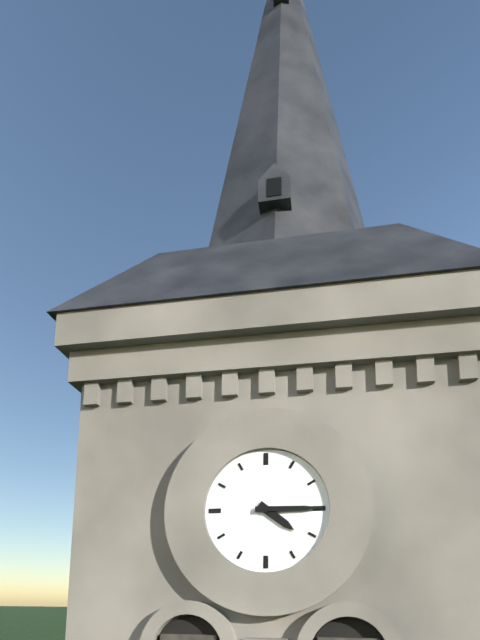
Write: 4:15
